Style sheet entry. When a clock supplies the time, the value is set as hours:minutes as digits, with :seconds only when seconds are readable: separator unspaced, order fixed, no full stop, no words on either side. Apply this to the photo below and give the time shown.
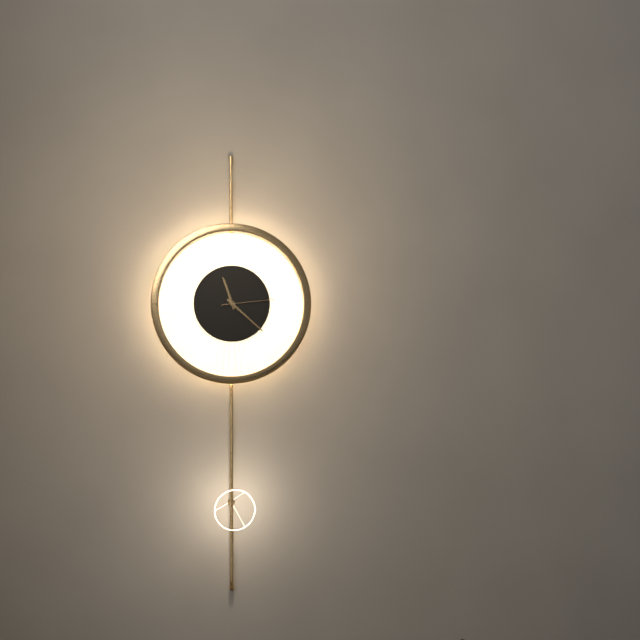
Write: 11:22:14
